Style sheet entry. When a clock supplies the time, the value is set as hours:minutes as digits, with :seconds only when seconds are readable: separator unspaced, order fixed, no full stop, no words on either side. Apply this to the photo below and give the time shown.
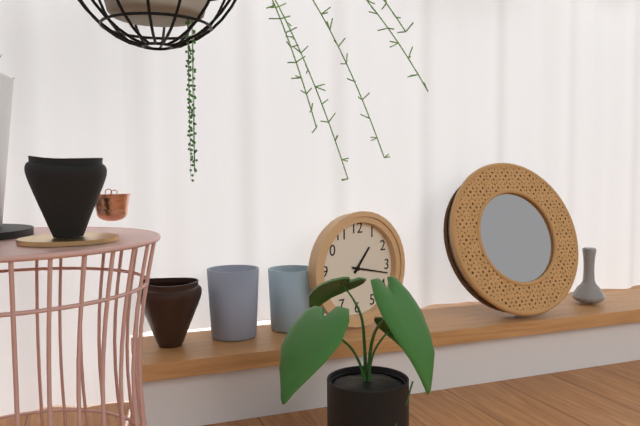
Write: 1:17
